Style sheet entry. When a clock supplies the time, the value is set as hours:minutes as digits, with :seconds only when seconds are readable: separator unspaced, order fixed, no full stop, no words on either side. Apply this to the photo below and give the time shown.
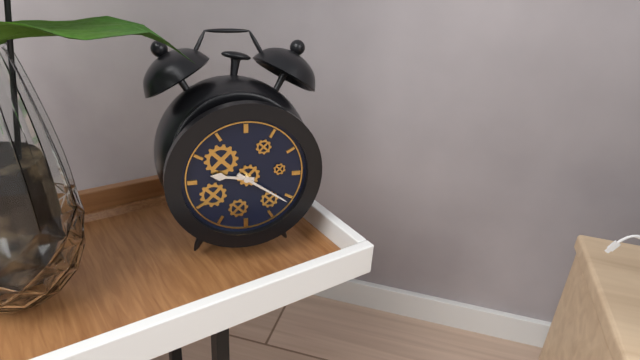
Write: 9:21
